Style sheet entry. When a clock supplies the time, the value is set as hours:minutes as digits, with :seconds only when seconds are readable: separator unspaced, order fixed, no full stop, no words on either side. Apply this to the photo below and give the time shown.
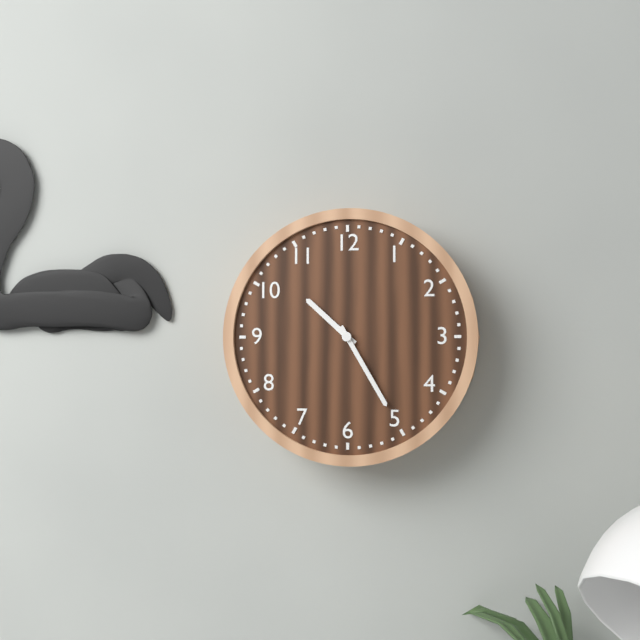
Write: 10:25
